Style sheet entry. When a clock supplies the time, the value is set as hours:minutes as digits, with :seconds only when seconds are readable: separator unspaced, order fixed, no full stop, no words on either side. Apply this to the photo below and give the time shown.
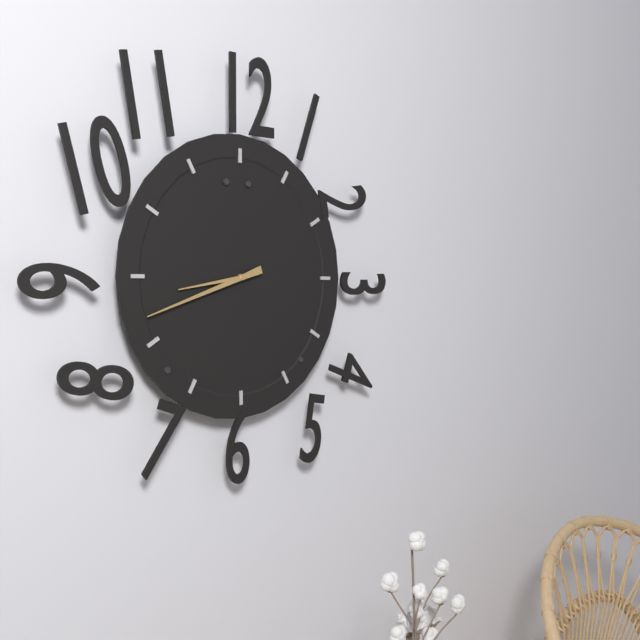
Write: 8:42
